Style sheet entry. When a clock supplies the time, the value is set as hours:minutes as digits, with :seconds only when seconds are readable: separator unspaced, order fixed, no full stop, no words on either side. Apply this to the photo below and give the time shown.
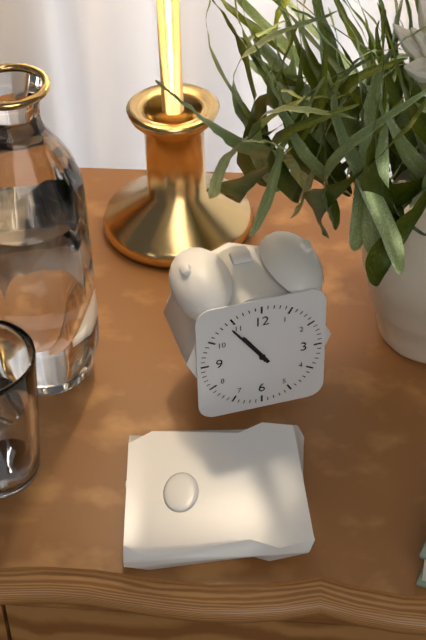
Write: 10:54
